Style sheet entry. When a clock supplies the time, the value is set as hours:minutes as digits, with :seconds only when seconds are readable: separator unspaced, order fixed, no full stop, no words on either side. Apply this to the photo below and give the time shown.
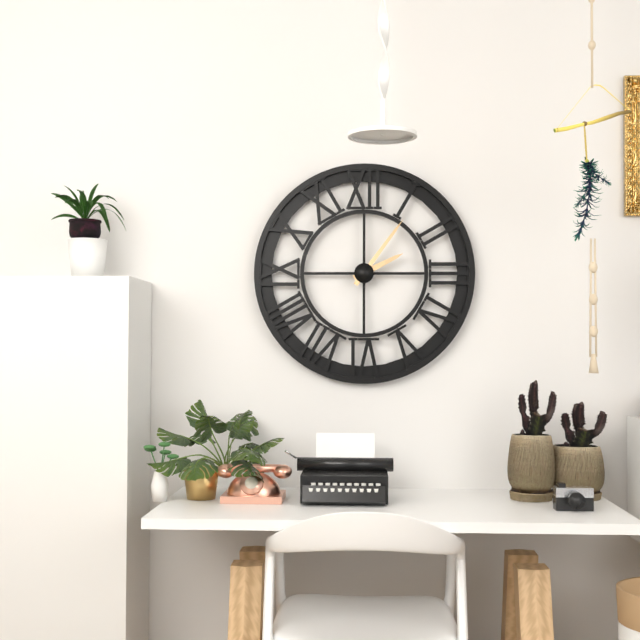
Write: 2:06
